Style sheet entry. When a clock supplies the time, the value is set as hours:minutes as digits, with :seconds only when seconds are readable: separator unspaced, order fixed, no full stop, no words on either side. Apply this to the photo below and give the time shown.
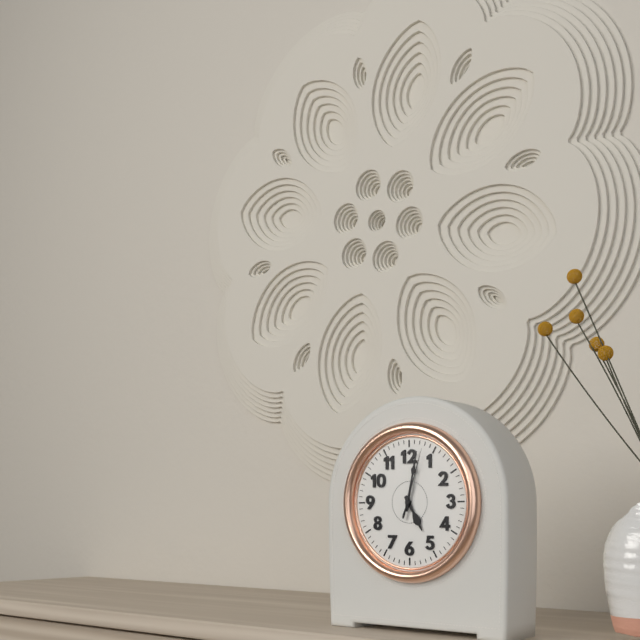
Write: 5:02:03
